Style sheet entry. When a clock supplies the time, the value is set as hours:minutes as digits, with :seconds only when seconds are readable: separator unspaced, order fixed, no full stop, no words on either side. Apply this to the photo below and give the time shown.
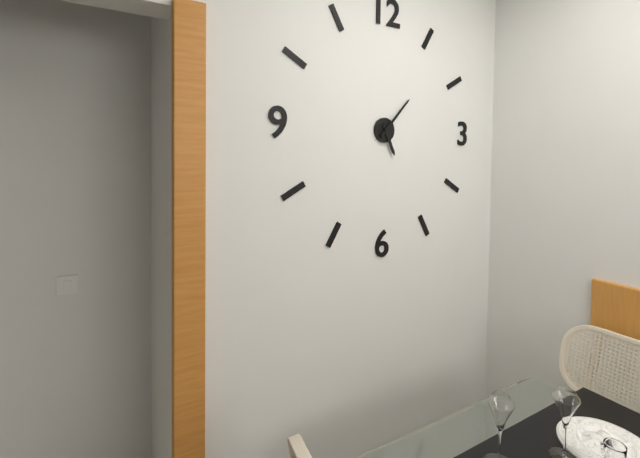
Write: 5:07
